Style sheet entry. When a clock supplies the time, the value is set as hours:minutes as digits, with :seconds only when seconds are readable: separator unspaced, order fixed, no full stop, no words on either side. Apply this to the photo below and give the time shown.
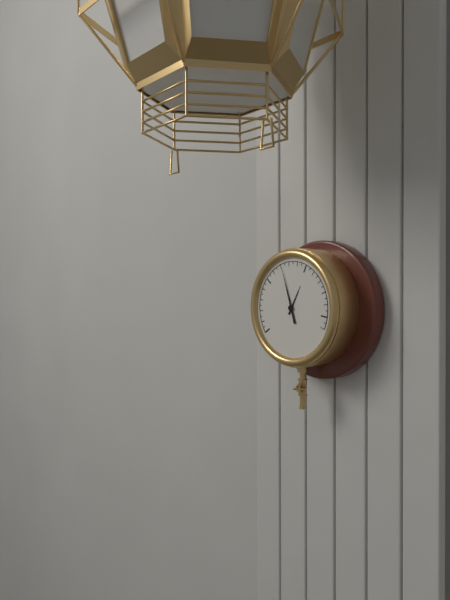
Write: 12:57
